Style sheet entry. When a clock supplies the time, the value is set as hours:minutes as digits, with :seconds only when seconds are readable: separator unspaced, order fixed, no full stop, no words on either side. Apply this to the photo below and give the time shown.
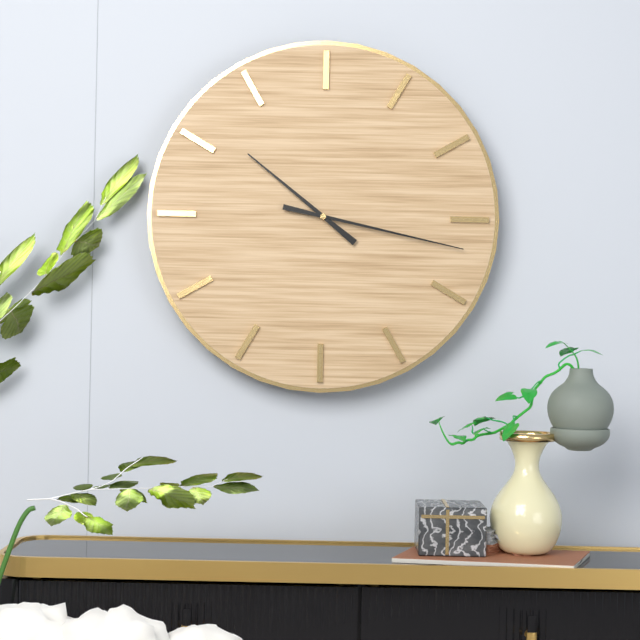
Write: 10:17
